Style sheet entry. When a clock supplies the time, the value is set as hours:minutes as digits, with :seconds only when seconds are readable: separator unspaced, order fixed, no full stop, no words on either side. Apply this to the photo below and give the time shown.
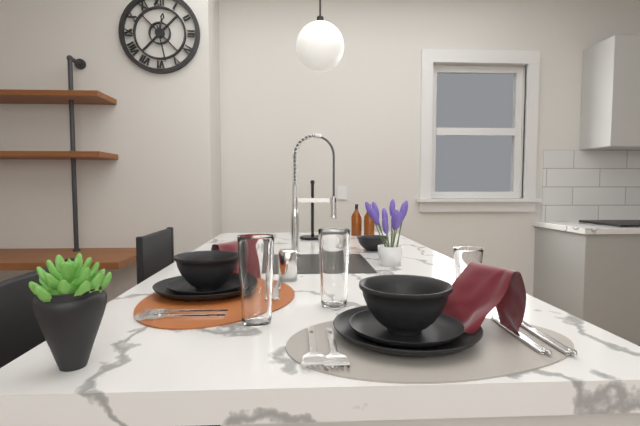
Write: 12:28
